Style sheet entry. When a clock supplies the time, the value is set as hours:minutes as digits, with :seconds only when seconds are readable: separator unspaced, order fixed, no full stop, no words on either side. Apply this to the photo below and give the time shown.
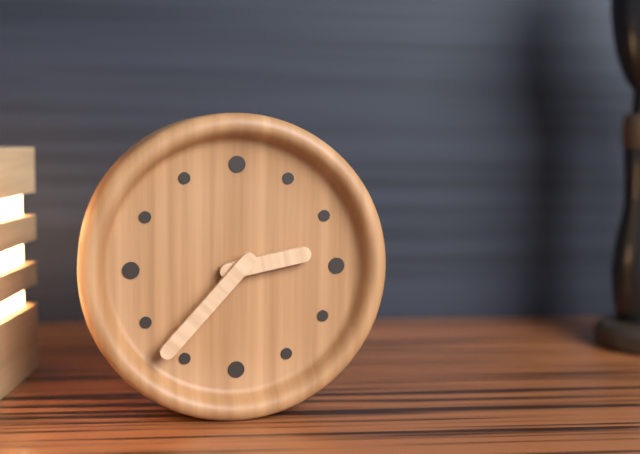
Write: 2:37
